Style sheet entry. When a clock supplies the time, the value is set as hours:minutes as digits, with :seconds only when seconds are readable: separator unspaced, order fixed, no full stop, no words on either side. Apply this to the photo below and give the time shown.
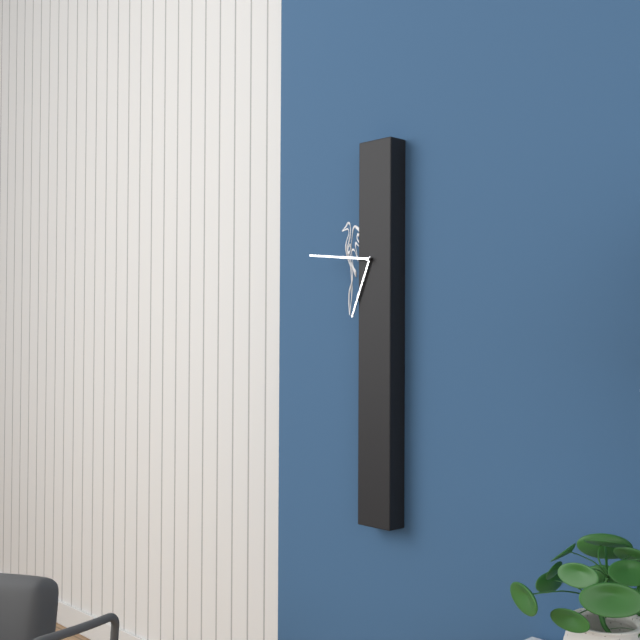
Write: 6:46
